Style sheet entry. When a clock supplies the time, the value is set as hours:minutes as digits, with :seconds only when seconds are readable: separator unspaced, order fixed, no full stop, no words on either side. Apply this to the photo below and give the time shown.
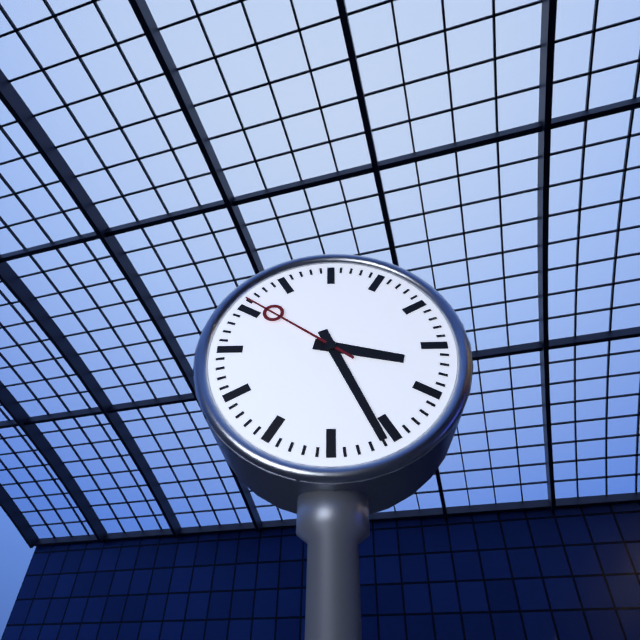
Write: 3:26:51
